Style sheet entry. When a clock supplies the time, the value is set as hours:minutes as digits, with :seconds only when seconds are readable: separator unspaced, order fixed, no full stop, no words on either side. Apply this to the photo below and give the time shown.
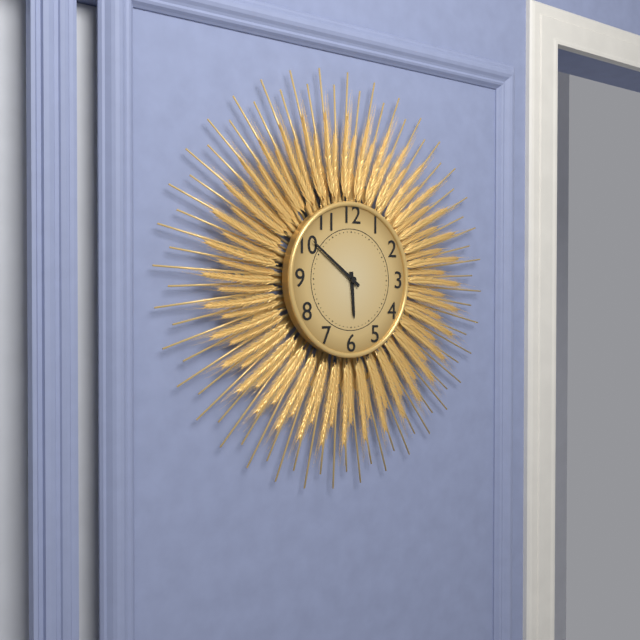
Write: 5:51
